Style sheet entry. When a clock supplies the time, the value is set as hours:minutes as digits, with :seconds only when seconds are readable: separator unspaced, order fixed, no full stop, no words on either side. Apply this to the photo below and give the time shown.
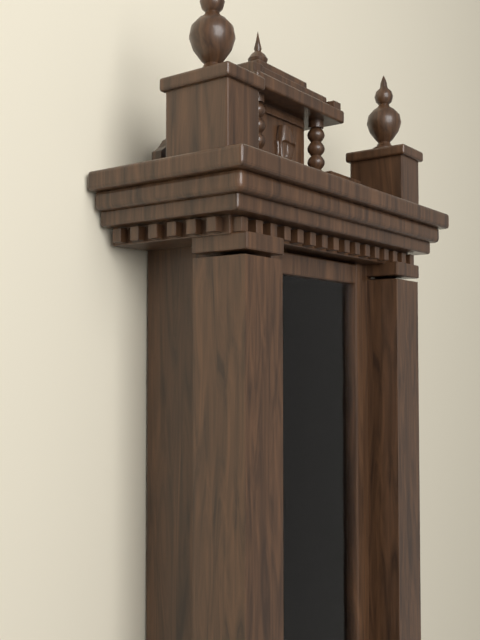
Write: 1:18
